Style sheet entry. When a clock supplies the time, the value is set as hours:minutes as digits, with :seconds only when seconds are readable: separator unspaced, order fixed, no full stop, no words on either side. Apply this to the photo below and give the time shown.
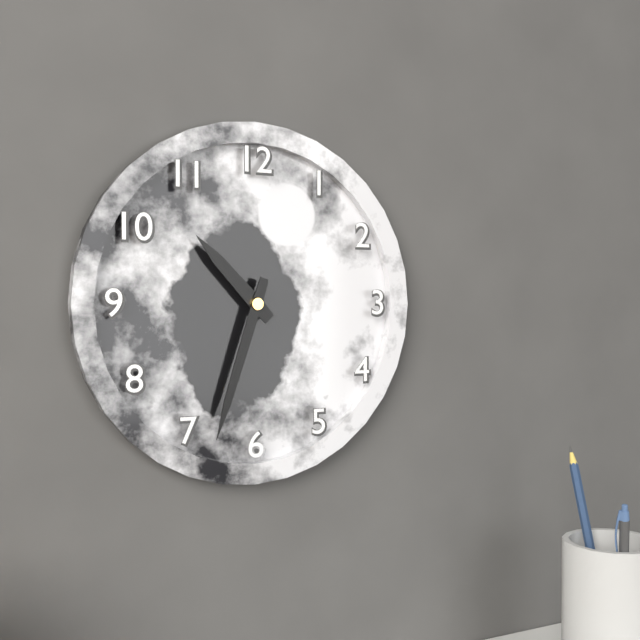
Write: 10:33
